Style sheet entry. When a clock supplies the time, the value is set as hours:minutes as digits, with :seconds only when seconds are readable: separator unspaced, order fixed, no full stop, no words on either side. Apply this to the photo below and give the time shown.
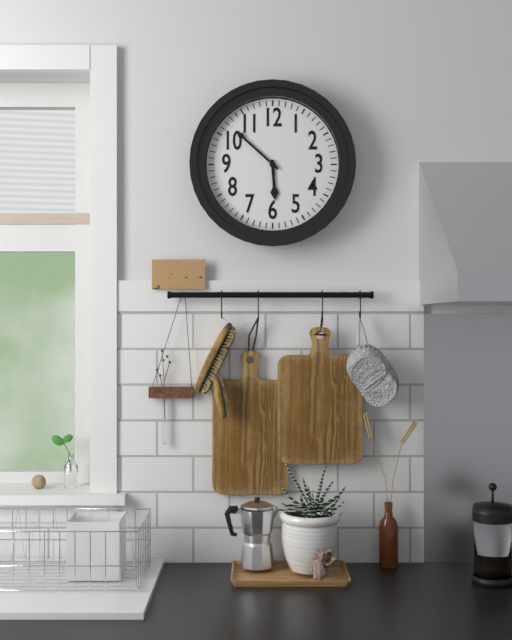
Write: 5:52
